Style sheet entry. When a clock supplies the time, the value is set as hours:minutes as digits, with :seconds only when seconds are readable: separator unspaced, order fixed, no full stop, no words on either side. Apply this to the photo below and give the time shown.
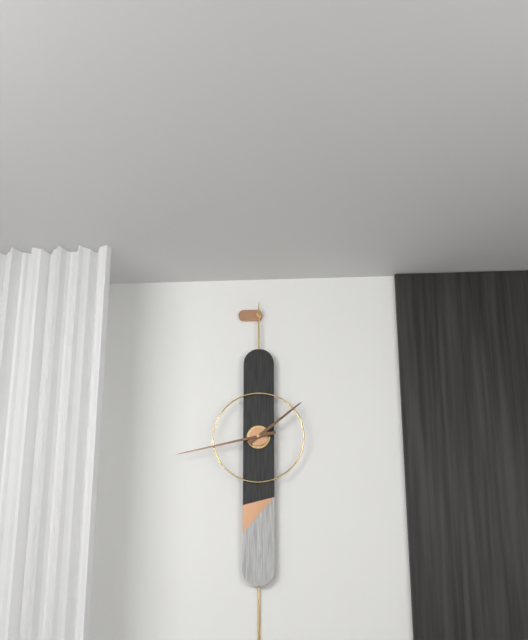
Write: 1:43
